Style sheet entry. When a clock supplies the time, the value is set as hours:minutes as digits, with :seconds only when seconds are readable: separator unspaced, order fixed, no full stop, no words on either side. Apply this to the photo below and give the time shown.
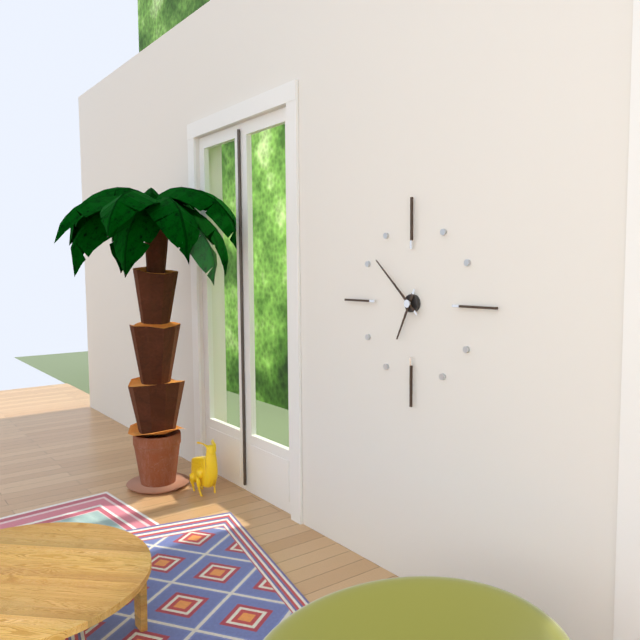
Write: 6:52
